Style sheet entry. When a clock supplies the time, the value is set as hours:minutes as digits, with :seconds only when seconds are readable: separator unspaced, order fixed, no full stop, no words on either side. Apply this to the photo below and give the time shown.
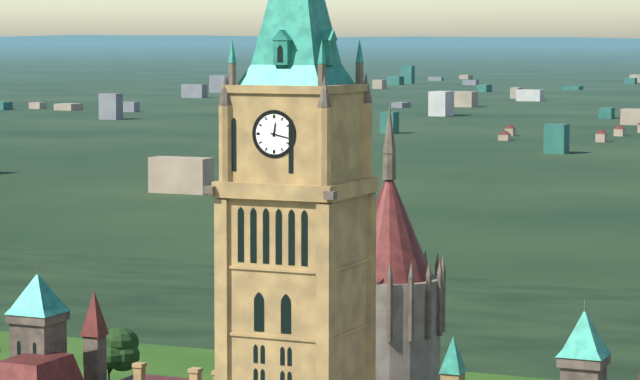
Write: 12:17
